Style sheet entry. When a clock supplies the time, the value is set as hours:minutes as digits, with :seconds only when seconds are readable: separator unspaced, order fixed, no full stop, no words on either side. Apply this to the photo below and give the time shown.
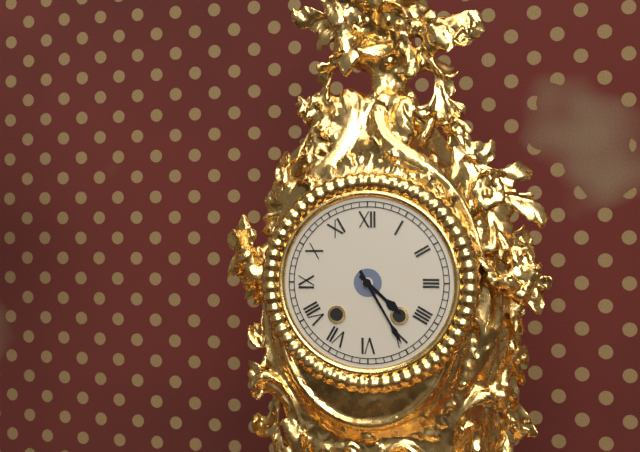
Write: 4:25
